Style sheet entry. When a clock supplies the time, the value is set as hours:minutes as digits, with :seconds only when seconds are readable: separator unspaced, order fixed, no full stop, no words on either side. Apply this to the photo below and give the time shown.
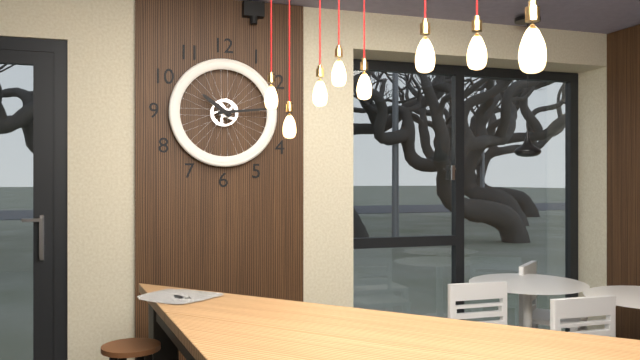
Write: 10:14
